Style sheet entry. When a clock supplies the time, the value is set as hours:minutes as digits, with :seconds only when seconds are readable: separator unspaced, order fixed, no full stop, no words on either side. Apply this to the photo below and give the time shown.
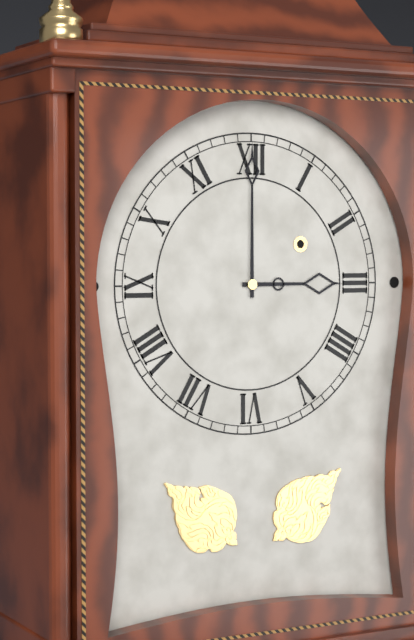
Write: 3:00
